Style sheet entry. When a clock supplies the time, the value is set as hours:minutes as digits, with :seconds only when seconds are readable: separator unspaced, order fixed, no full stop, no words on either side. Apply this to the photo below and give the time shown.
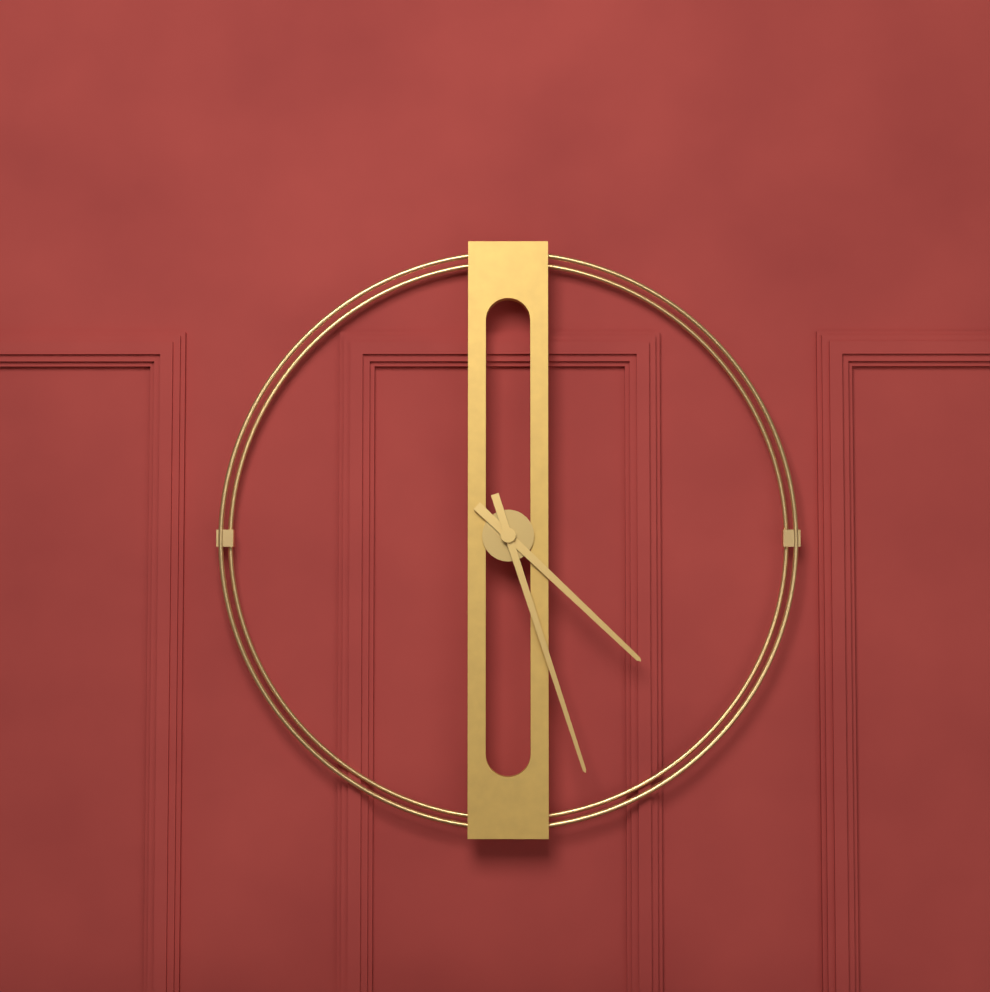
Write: 4:27
